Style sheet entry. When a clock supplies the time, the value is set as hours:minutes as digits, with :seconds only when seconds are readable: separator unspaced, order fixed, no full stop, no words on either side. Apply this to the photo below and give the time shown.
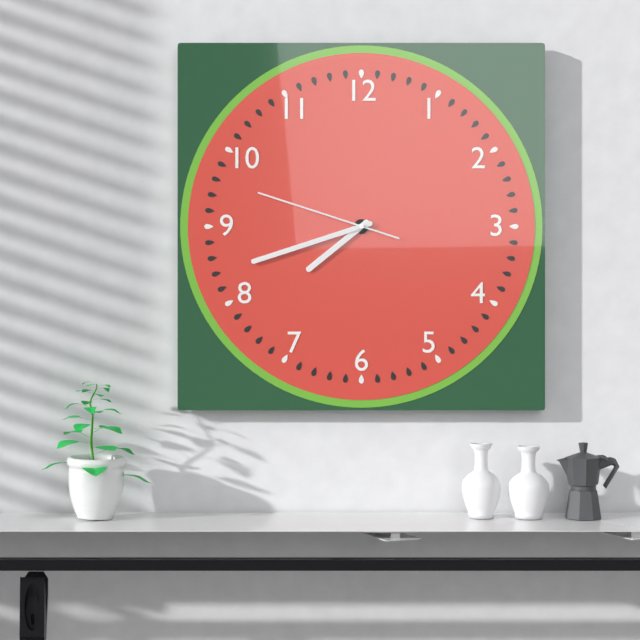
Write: 7:42:48
